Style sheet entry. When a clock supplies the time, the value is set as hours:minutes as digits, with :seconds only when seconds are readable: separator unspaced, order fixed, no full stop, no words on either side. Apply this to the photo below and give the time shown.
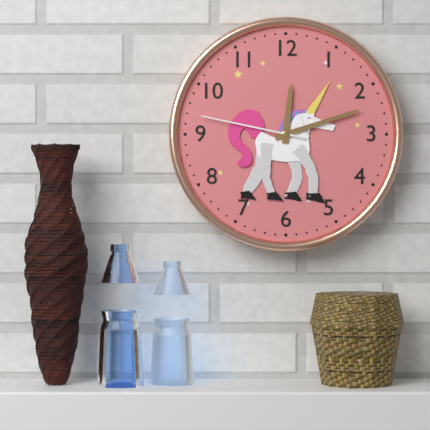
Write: 12:12:47
